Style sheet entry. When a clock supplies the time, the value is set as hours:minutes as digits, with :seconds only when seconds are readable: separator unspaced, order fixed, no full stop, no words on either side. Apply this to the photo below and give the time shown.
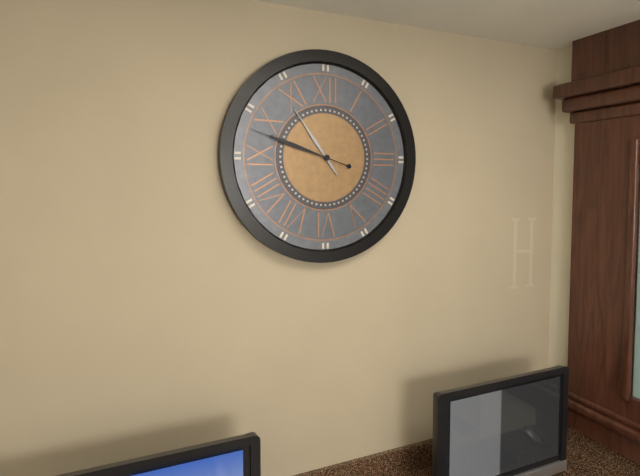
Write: 10:48
